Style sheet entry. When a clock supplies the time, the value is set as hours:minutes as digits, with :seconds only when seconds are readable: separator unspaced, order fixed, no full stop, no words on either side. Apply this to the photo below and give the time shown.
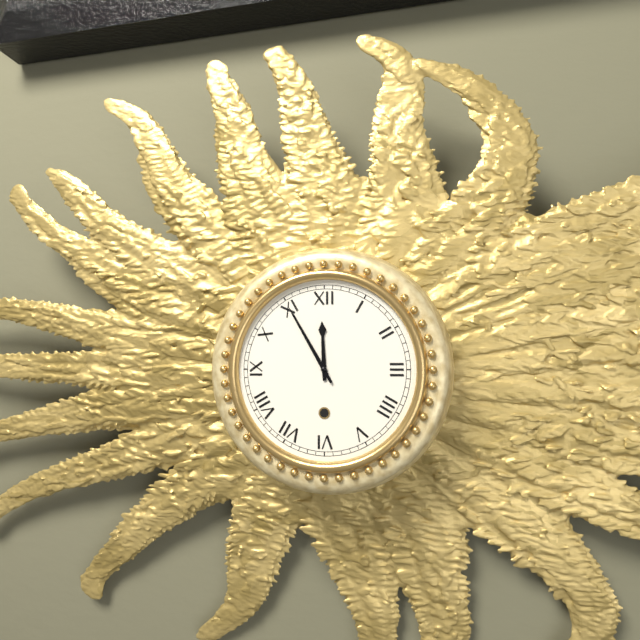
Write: 11:55
